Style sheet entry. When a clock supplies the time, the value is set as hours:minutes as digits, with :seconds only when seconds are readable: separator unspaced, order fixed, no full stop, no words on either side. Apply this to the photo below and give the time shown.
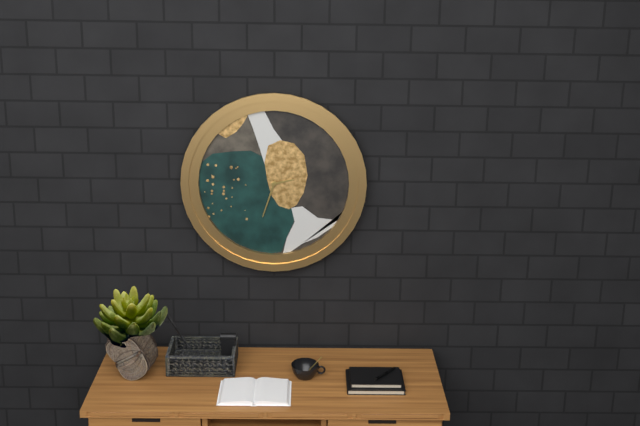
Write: 2:33
